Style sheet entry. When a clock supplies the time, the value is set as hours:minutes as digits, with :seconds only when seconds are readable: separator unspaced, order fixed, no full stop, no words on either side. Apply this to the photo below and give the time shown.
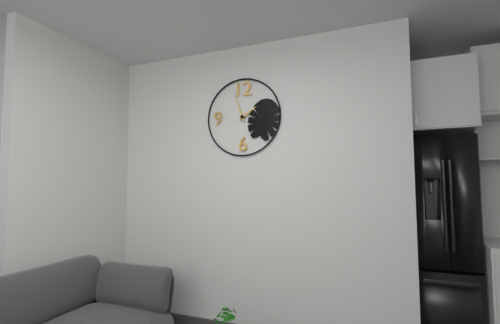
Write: 1:57
